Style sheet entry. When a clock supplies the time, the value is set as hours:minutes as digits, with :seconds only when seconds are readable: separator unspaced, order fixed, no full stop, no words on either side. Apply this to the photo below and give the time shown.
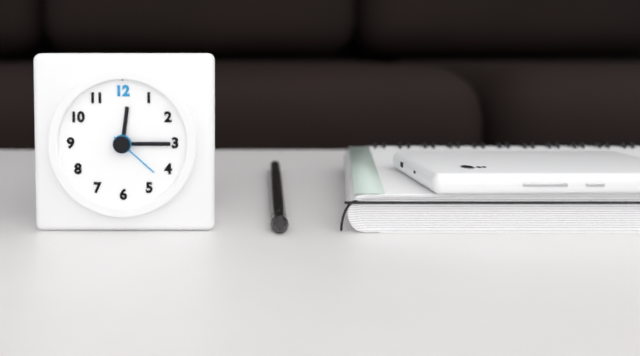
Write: 12:15:22
